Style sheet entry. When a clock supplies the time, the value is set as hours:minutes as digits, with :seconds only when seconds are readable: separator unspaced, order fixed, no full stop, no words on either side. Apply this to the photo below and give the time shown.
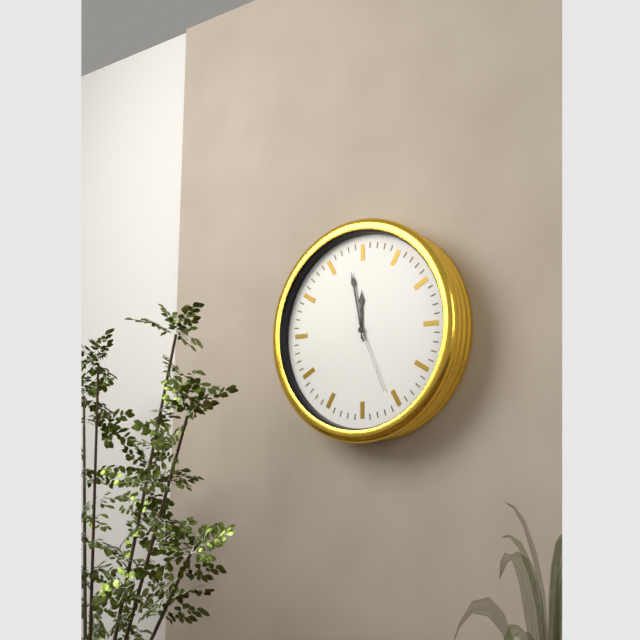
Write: 11:58:26
